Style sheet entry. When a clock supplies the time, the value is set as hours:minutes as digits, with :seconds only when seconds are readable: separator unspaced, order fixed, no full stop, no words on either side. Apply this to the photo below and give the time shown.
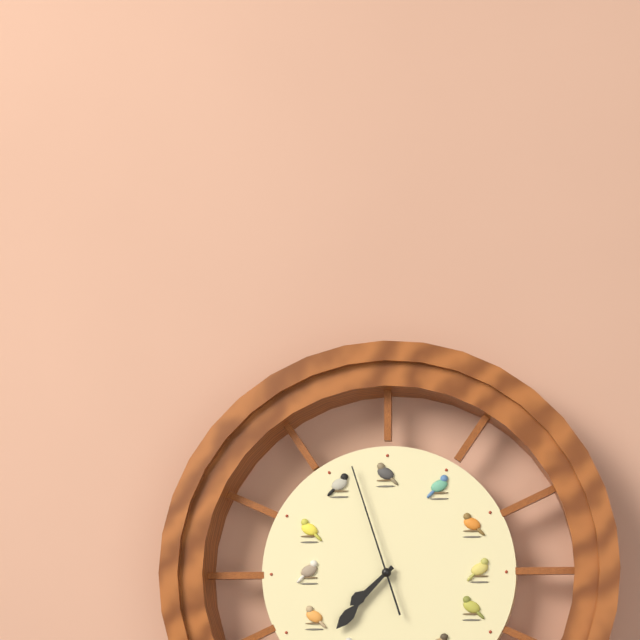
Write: 7:37:57
